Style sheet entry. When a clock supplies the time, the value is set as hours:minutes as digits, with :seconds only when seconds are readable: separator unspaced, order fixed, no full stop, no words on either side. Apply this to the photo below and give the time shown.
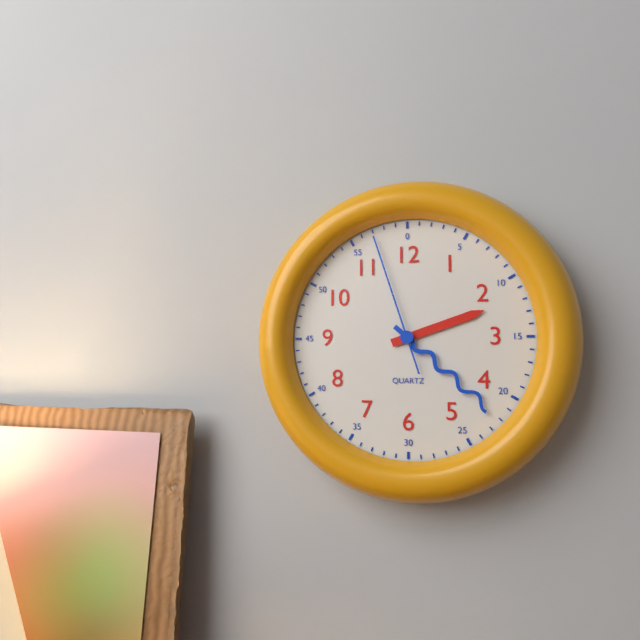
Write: 2:22:57
